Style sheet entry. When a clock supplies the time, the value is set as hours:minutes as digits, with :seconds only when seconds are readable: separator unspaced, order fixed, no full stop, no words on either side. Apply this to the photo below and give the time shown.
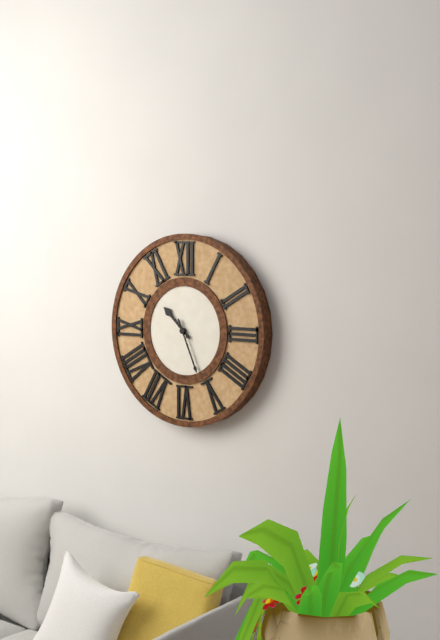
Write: 10:26
